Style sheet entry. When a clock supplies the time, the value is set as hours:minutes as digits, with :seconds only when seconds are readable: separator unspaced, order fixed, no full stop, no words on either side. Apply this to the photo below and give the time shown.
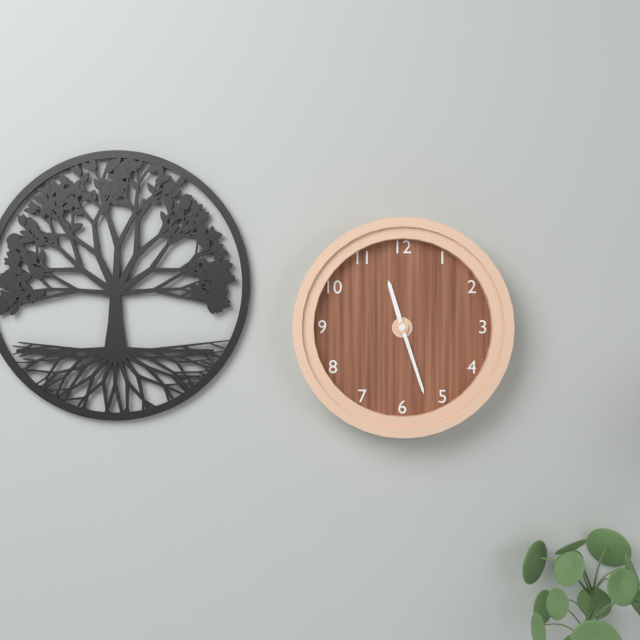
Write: 11:27
